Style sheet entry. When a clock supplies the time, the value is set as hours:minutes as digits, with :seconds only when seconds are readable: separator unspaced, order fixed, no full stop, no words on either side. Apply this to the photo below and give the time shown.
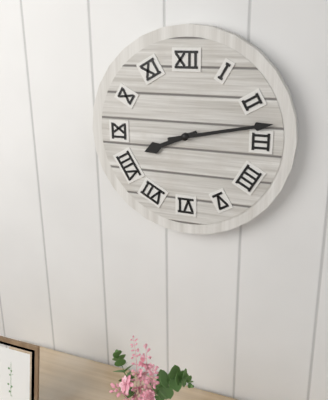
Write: 8:13
